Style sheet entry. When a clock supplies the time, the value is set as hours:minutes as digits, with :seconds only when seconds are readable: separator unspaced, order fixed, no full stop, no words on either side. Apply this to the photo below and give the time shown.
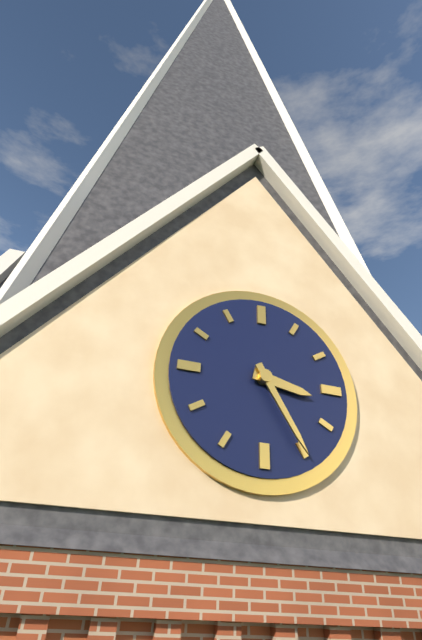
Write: 3:25
